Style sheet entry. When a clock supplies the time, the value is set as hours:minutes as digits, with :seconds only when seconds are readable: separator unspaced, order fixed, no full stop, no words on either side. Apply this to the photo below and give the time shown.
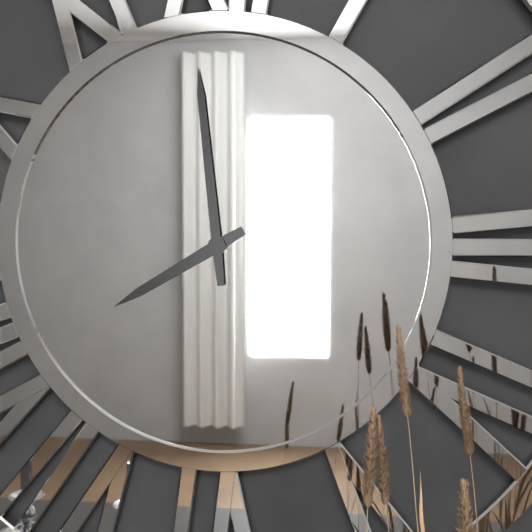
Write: 7:59
